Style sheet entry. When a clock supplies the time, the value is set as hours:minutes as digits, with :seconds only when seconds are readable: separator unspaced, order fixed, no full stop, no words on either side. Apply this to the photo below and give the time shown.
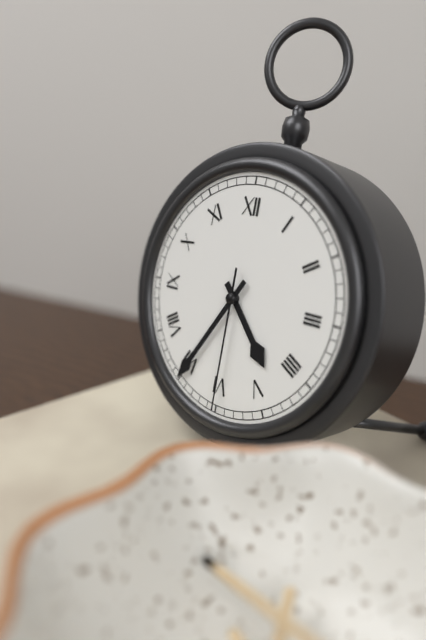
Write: 4:35:30
